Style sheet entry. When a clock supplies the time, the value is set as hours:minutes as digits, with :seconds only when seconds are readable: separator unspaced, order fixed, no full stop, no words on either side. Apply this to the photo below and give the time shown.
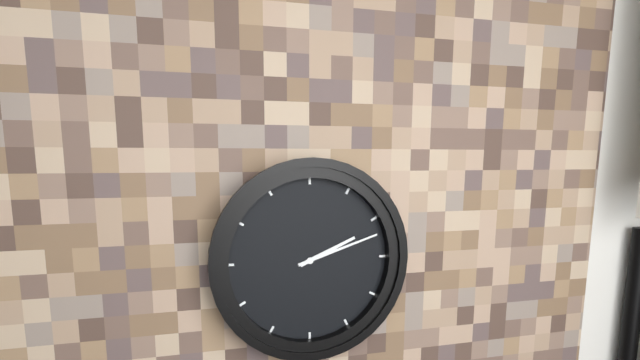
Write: 2:12
